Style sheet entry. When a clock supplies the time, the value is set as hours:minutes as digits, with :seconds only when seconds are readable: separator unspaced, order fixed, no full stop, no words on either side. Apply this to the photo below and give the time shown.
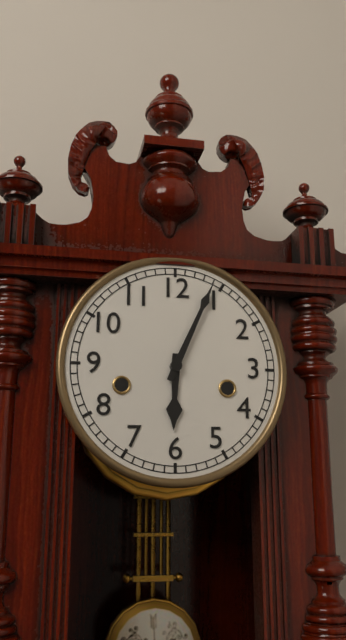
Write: 6:04
